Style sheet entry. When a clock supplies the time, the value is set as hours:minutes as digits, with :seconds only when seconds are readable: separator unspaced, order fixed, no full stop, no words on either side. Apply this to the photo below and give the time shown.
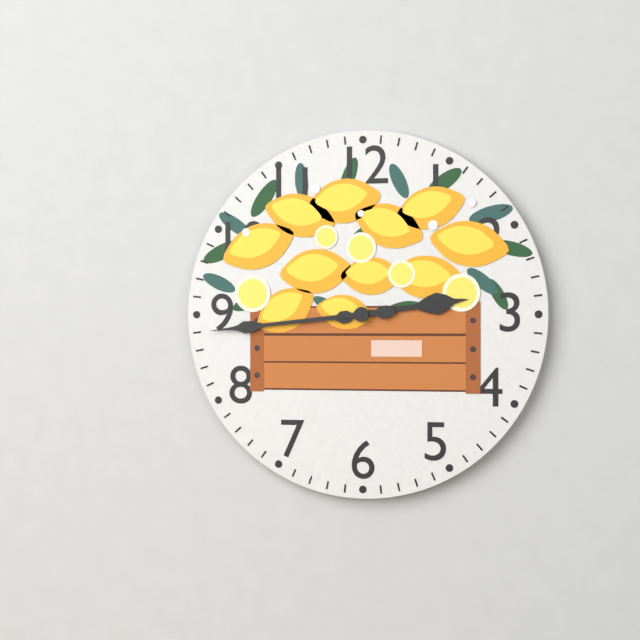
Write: 2:44
